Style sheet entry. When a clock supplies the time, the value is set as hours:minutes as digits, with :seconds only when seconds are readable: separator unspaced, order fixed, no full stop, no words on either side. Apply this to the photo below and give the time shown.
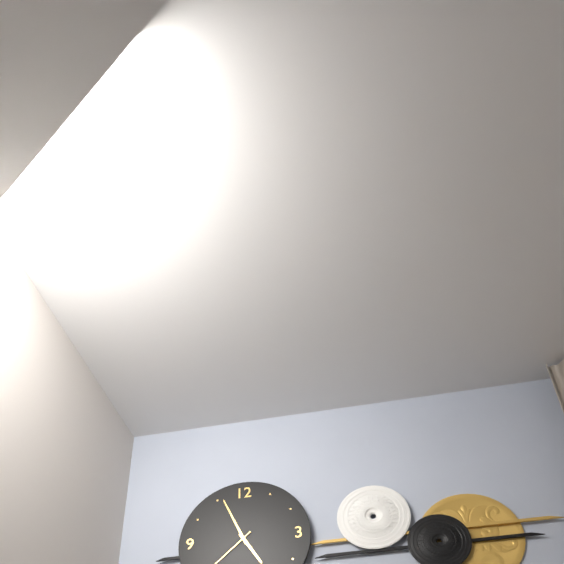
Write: 4:56
